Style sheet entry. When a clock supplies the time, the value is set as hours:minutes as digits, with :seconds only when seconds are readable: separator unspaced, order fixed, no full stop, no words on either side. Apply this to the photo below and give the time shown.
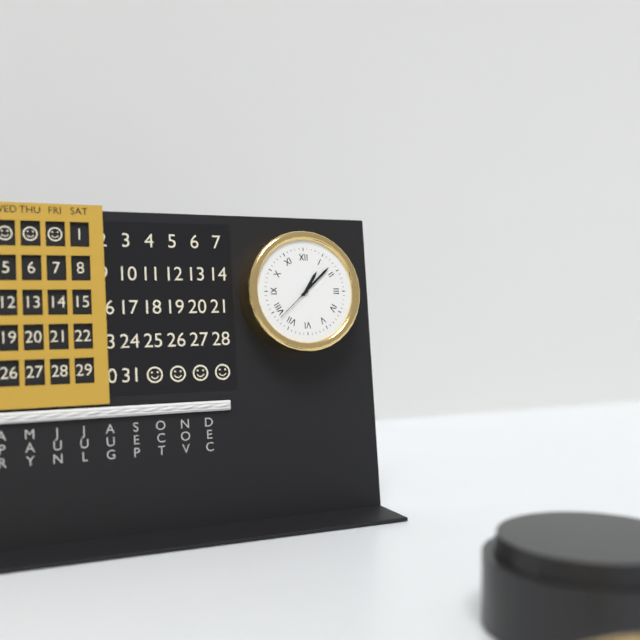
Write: 1:08
